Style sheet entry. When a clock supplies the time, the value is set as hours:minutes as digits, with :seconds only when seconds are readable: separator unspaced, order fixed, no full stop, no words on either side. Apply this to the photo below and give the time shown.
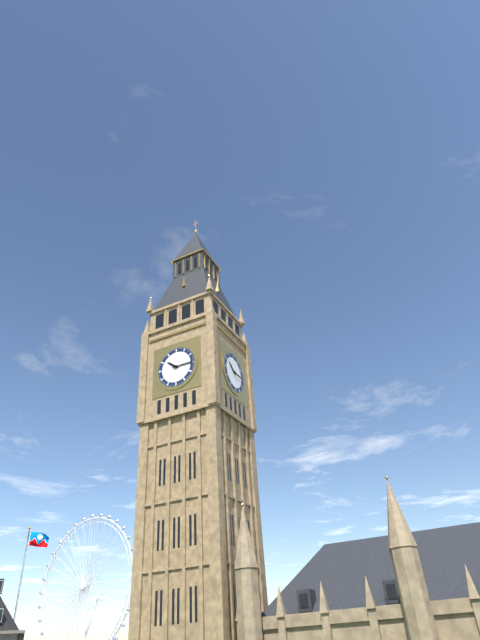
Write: 10:15
